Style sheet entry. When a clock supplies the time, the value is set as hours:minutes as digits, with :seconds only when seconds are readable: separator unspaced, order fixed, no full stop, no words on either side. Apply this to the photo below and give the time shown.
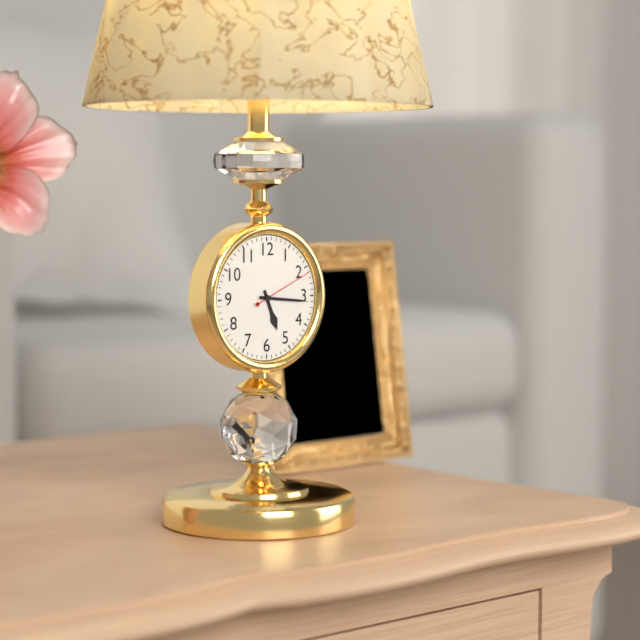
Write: 5:16:11
